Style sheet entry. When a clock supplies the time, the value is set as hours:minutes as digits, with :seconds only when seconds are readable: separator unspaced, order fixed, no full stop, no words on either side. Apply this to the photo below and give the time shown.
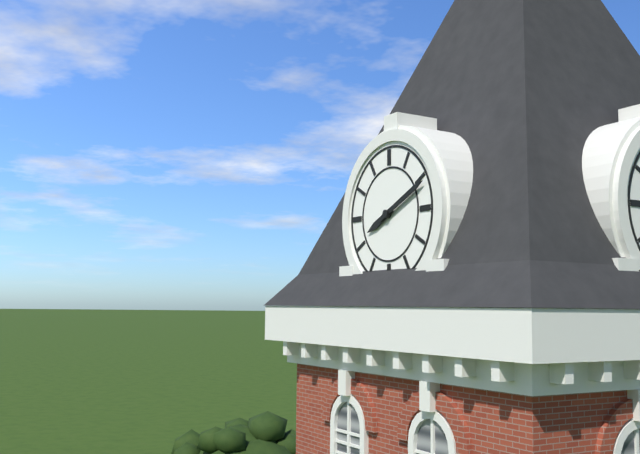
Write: 8:11
